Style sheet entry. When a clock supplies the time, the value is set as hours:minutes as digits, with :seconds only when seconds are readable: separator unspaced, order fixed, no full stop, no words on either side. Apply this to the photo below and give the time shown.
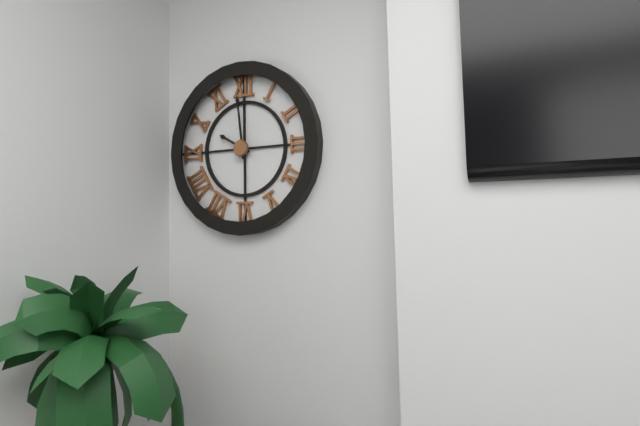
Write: 9:59
